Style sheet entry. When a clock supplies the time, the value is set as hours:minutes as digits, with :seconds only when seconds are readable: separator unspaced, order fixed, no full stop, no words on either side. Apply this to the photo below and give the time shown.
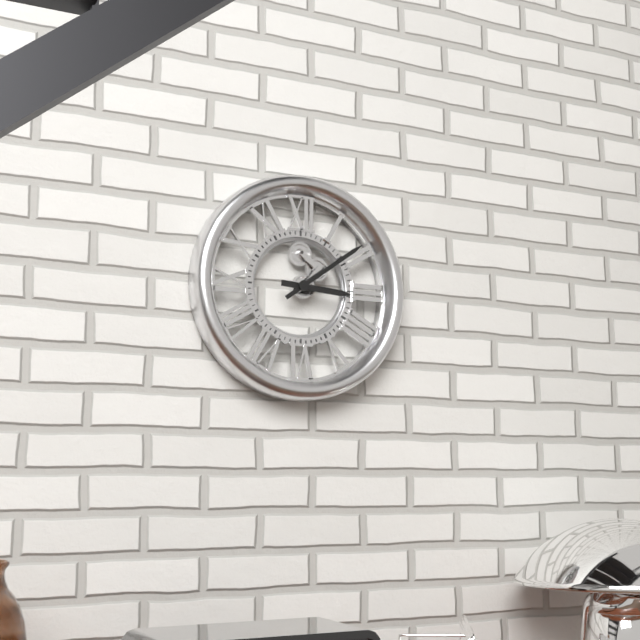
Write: 3:09
